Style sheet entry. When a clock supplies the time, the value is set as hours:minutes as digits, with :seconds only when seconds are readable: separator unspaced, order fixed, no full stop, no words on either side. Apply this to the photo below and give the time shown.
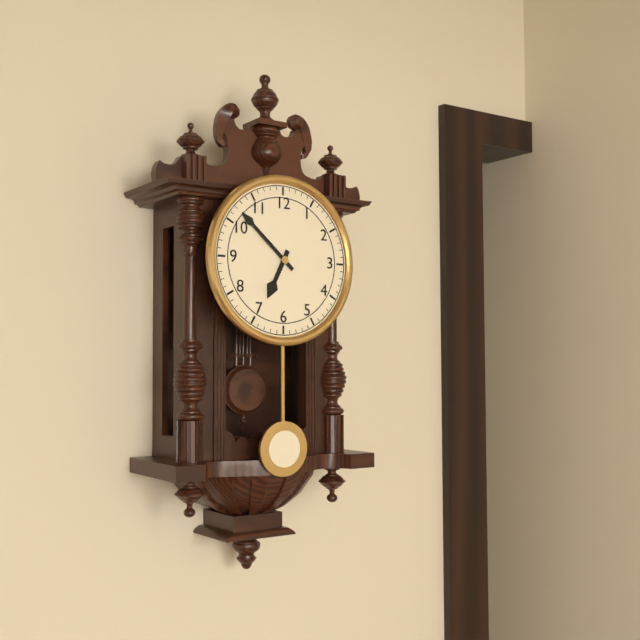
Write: 6:52
